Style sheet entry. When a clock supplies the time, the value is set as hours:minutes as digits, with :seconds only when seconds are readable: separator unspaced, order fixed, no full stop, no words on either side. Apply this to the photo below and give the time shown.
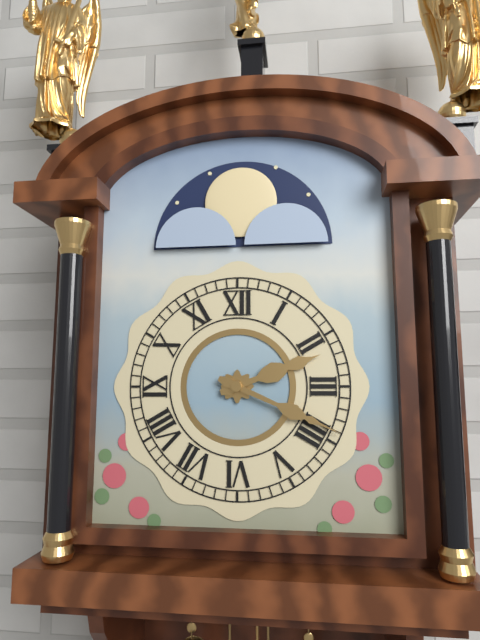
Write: 2:19
